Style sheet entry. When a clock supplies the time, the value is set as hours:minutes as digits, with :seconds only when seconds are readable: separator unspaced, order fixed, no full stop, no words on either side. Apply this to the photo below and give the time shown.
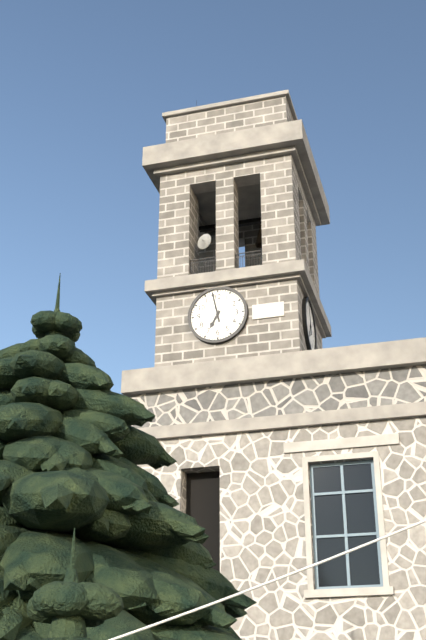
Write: 6:58
